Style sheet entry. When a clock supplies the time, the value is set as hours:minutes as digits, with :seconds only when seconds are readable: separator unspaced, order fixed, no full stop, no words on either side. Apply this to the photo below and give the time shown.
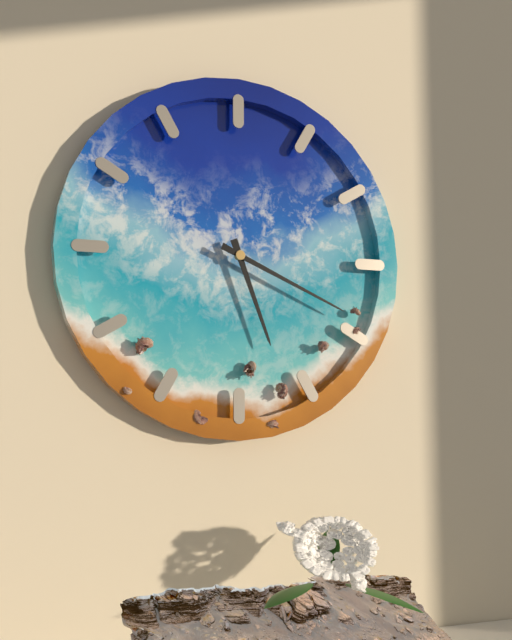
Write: 5:19
